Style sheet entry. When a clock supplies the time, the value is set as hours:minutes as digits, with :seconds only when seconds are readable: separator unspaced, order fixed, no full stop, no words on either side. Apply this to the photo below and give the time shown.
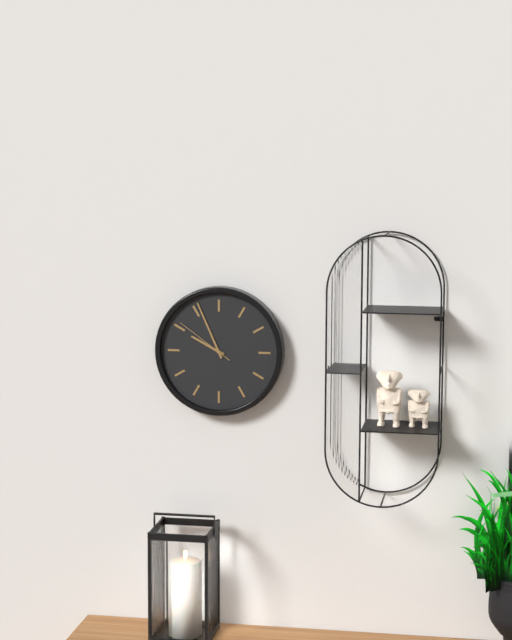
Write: 9:56:51
